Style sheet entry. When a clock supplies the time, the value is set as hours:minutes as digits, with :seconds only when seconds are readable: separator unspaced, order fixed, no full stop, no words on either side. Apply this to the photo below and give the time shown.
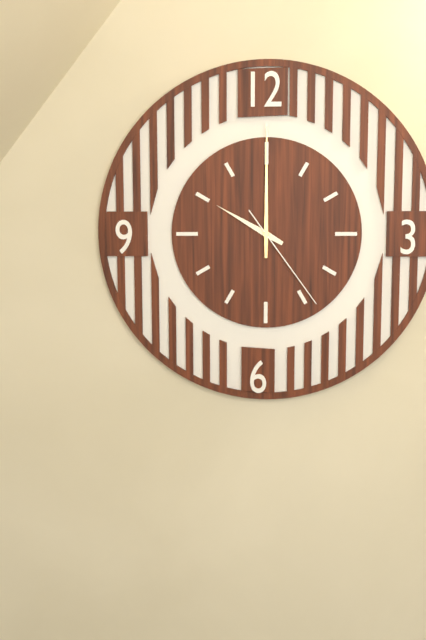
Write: 10:00:24
